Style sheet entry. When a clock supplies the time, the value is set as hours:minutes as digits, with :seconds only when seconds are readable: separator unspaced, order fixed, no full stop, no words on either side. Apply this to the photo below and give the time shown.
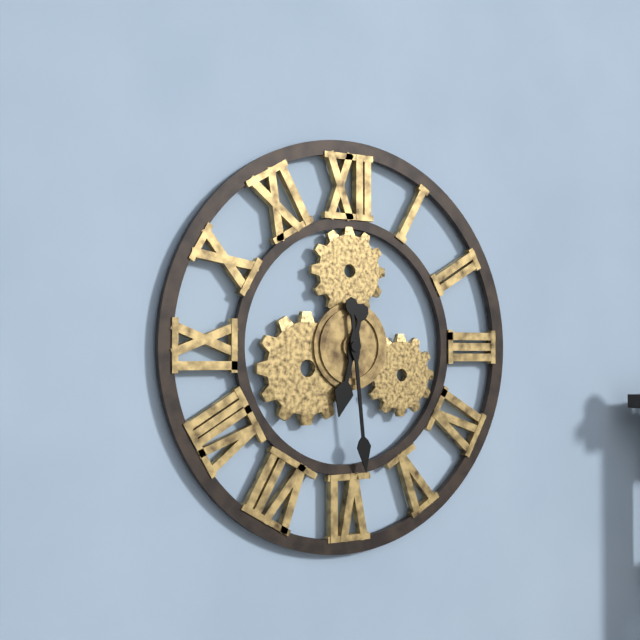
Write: 6:29
